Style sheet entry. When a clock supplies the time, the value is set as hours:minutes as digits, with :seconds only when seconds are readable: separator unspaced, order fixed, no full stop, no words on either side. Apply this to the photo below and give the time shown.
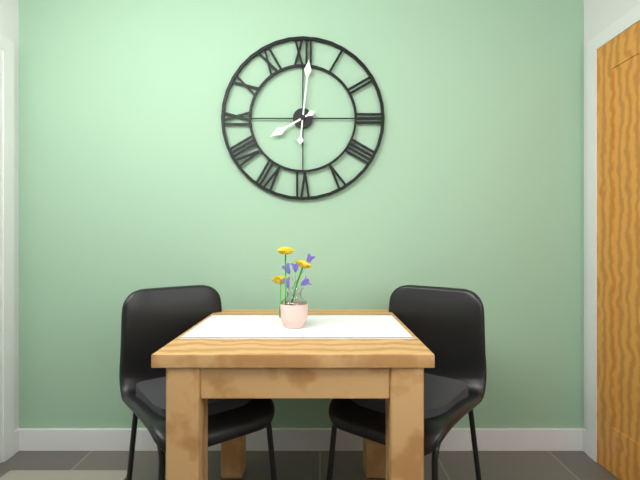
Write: 8:01
